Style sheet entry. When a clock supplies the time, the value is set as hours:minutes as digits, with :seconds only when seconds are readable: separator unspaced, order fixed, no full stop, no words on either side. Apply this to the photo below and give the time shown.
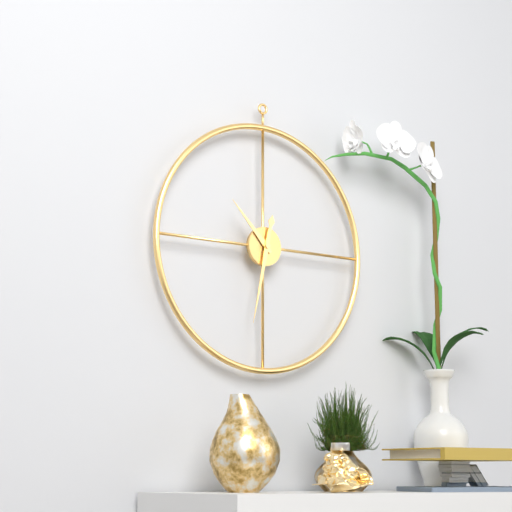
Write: 10:32
